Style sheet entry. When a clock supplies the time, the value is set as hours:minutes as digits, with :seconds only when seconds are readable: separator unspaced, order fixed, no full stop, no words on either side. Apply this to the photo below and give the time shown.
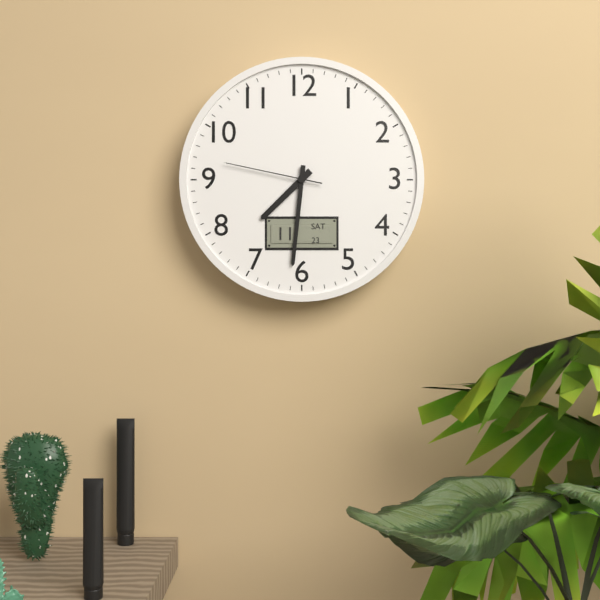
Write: 7:31:47
